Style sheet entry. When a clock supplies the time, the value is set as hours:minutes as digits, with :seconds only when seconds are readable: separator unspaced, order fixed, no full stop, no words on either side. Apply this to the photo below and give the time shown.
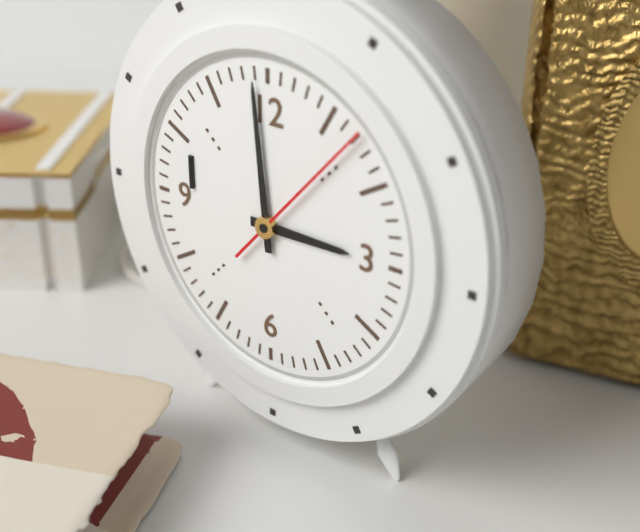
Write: 2:59:07
